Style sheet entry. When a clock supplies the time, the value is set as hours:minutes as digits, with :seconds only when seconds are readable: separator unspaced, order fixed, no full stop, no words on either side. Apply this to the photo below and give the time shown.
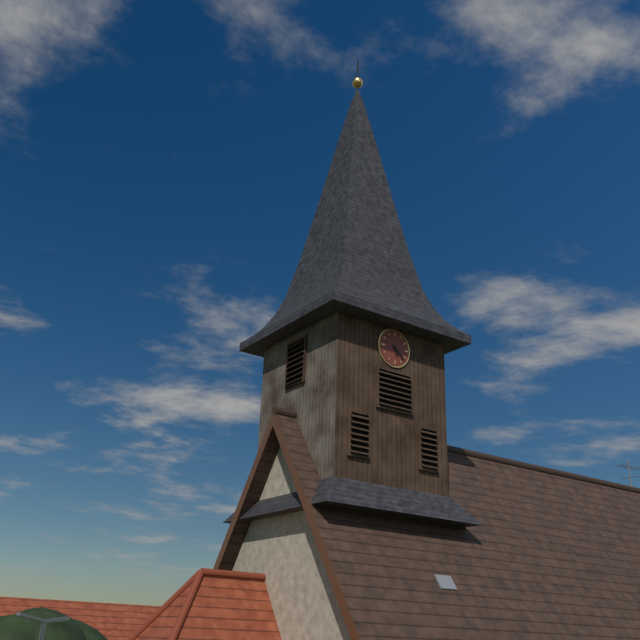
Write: 5:22
